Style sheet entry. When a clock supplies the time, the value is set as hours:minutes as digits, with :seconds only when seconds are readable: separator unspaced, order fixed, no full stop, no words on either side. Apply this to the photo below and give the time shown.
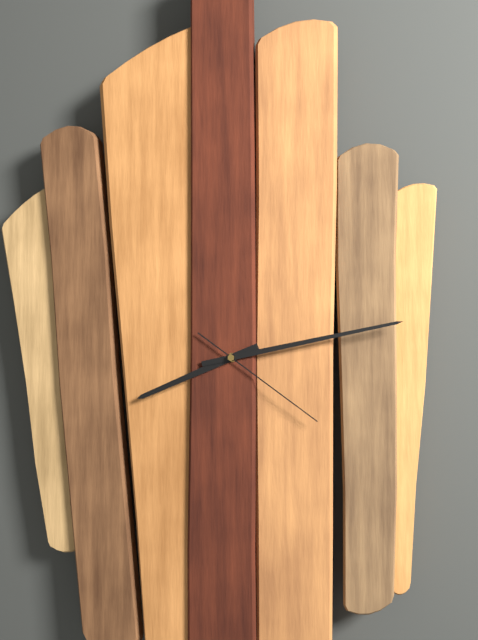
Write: 8:13:21
